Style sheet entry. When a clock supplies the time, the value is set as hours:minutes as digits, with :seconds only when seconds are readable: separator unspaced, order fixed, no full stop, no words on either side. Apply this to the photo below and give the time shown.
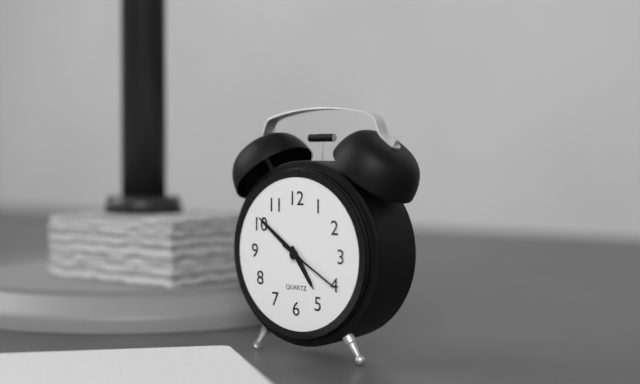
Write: 4:51:20
